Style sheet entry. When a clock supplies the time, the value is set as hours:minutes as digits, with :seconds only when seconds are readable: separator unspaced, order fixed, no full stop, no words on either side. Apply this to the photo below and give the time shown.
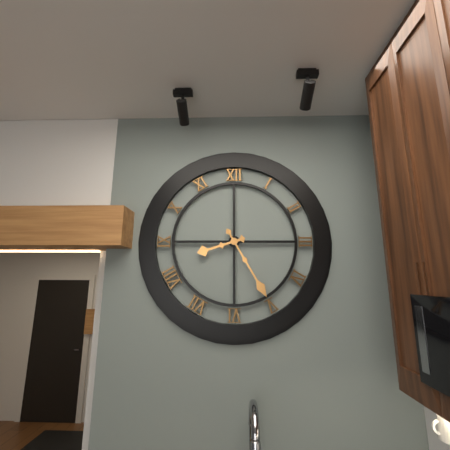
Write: 8:25
